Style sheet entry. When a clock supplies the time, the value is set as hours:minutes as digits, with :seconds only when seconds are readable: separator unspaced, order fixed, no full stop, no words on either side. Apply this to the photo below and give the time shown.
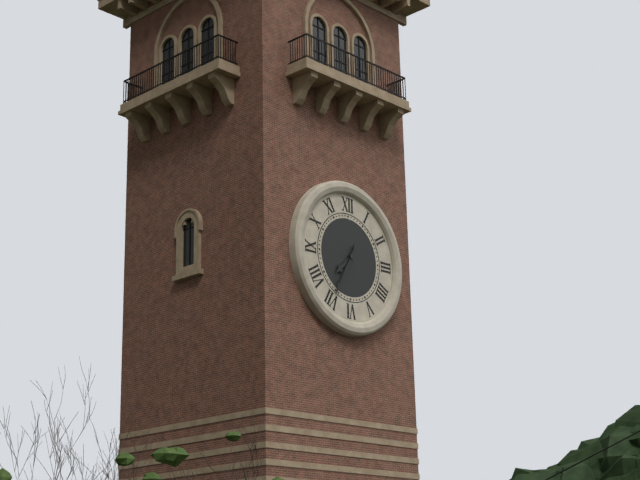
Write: 7:35
